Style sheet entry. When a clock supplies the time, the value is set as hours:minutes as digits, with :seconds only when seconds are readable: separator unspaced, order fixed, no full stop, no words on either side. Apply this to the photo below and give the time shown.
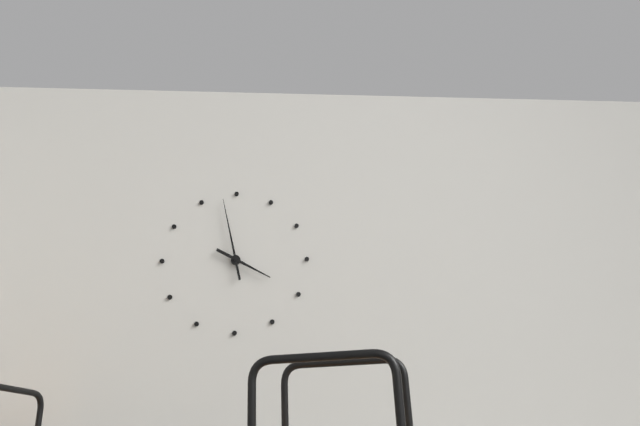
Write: 3:58
